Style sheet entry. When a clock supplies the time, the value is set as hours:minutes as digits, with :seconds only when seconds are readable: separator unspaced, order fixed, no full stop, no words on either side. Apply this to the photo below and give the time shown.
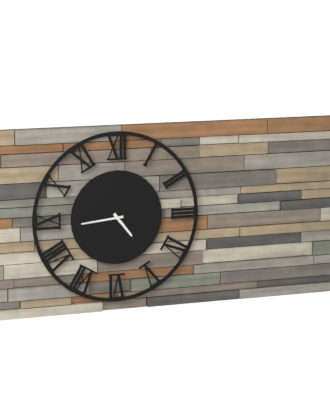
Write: 4:44
